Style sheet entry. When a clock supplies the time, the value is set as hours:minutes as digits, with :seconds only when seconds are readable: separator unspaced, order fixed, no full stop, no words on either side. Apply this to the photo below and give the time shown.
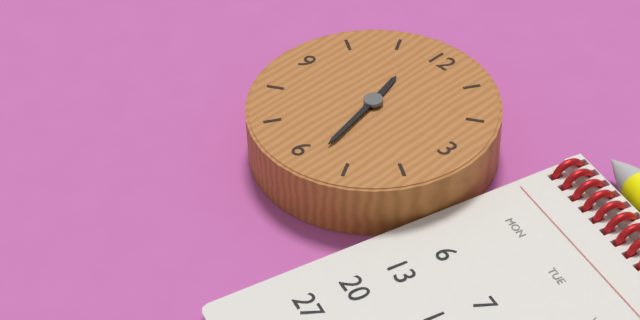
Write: 11:28
